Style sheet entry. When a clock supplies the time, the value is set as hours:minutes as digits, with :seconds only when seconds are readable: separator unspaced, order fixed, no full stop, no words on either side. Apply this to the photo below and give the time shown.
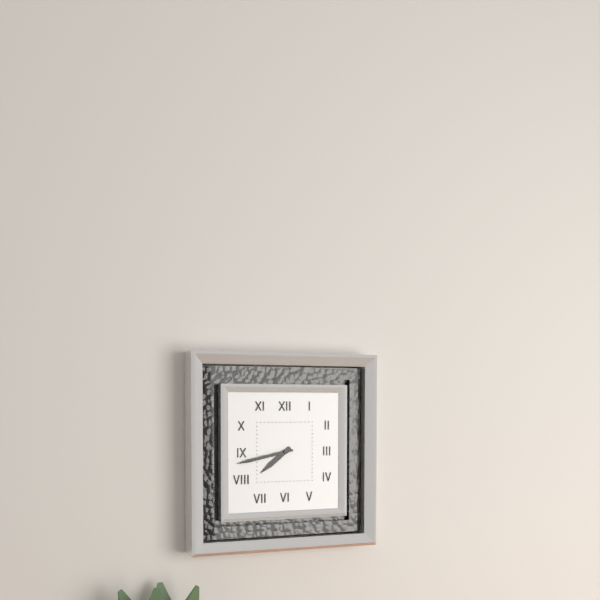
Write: 7:43
